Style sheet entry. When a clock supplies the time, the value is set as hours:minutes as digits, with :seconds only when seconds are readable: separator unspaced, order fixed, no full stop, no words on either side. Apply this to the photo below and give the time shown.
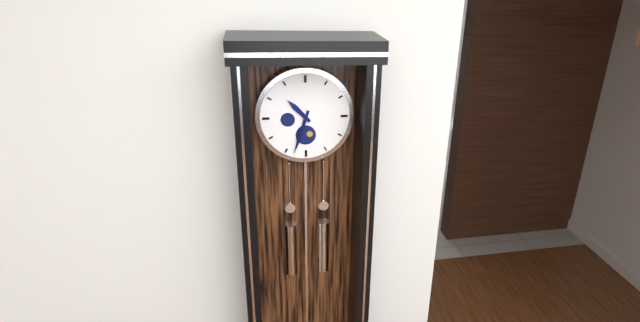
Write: 10:33
